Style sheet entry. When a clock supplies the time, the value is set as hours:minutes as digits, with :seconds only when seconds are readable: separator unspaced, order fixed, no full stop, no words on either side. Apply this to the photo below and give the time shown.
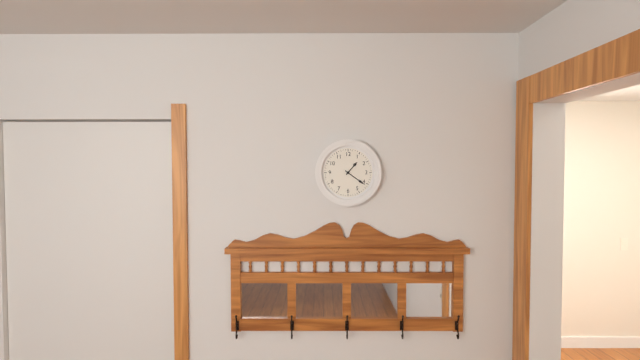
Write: 1:21
